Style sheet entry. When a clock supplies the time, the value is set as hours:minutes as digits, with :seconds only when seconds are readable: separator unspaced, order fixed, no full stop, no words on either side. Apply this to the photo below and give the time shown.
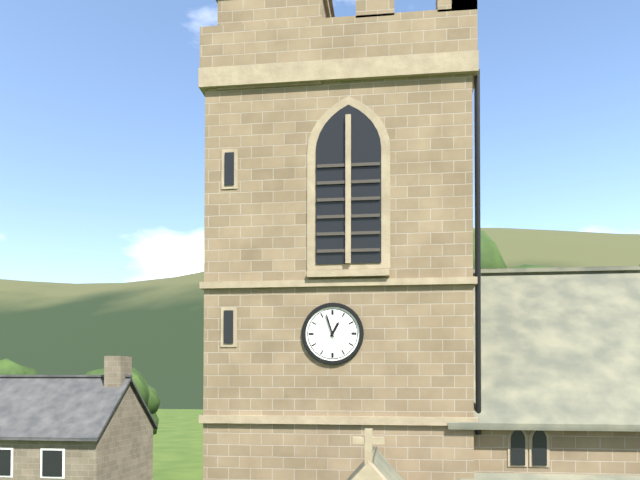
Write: 12:57
